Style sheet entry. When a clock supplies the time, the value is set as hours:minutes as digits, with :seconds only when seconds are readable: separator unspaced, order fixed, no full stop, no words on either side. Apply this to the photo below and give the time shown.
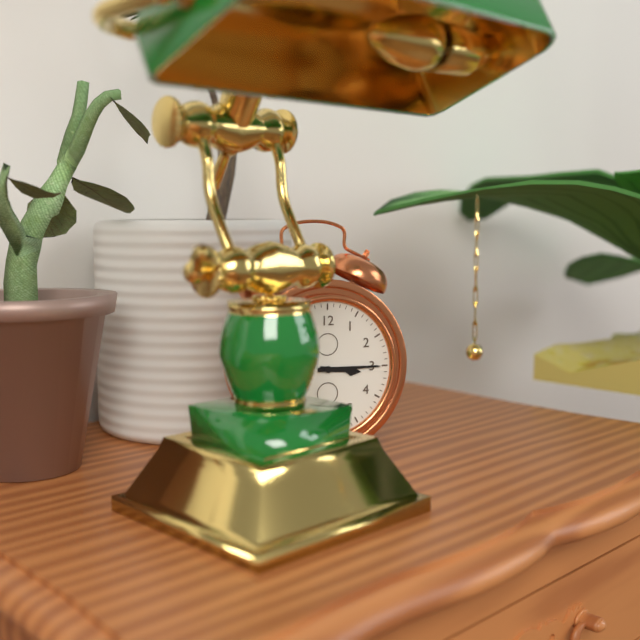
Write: 3:15
